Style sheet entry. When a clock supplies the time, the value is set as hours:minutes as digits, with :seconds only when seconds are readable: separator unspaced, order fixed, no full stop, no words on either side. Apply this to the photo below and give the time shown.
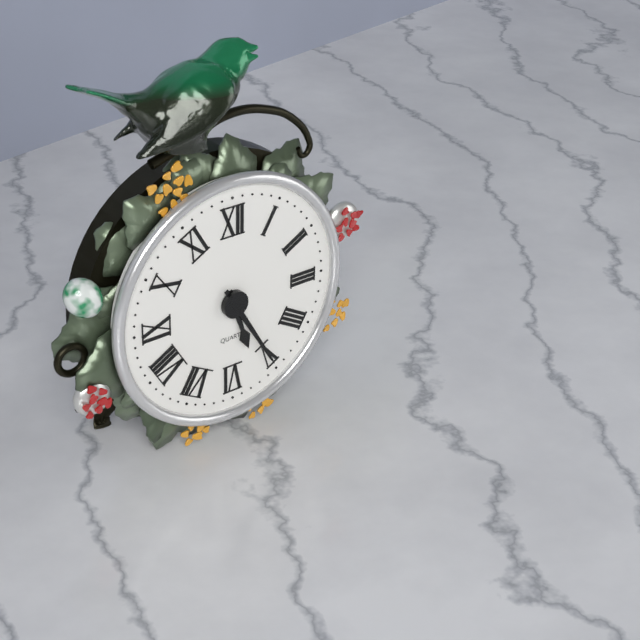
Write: 5:25
